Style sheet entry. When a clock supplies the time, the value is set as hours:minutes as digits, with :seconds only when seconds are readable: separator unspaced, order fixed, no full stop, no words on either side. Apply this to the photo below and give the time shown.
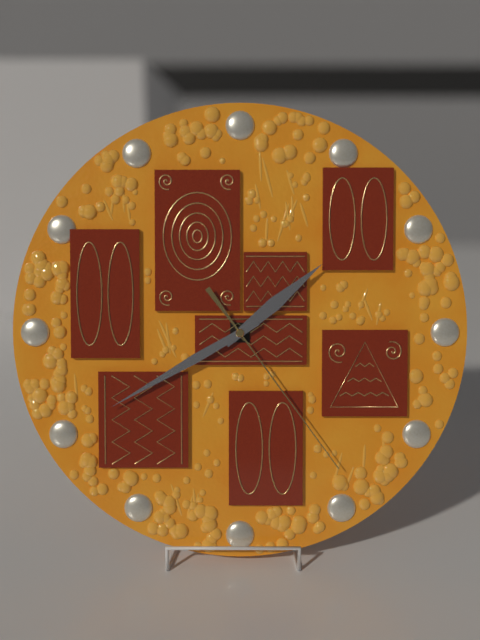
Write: 1:40:24
